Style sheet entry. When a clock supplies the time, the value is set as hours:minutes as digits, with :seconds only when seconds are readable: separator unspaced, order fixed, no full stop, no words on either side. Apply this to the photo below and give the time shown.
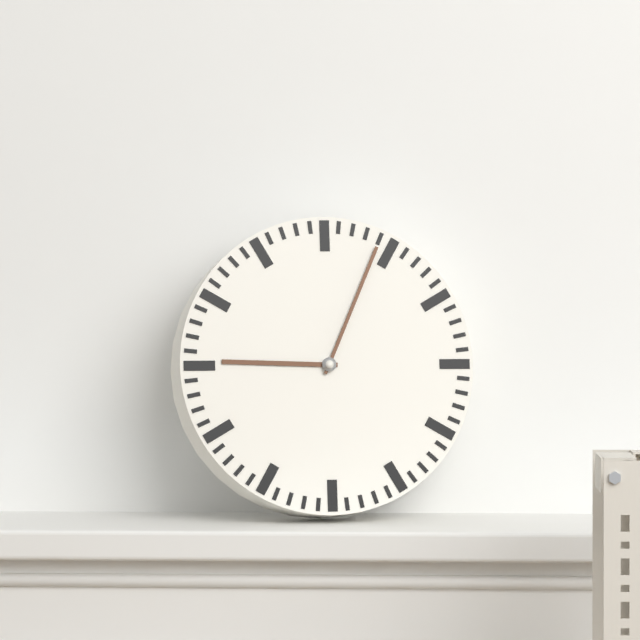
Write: 9:04
